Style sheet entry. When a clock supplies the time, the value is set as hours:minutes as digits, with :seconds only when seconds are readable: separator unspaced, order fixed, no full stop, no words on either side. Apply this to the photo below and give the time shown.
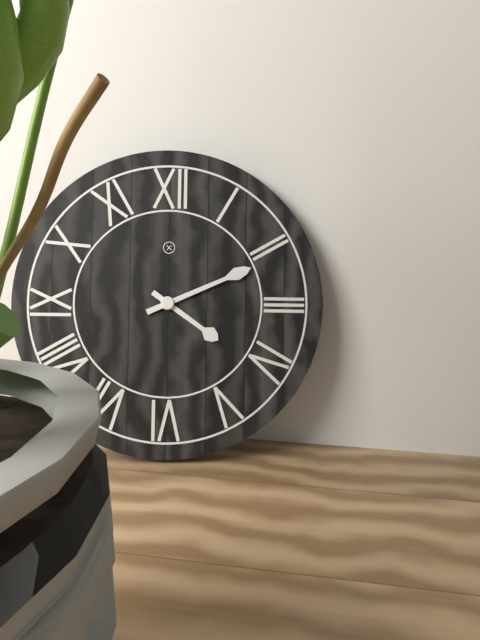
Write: 4:11
